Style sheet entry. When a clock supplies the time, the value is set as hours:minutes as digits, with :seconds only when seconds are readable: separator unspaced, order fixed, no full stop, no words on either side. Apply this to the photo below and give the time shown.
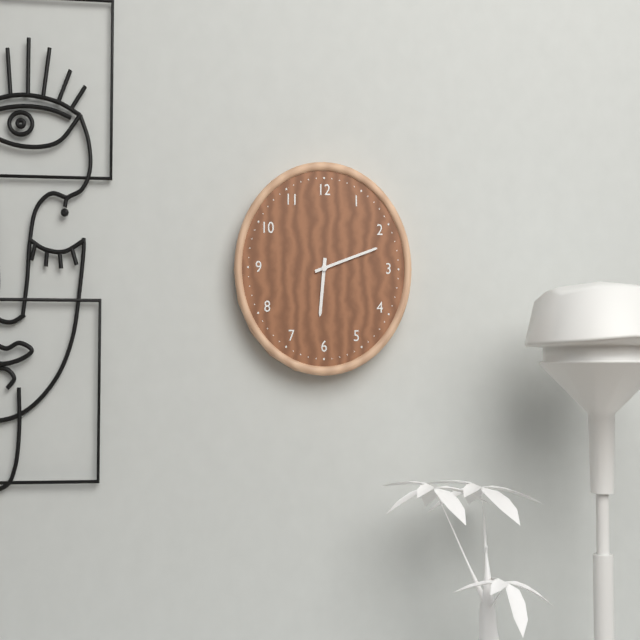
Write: 6:12
